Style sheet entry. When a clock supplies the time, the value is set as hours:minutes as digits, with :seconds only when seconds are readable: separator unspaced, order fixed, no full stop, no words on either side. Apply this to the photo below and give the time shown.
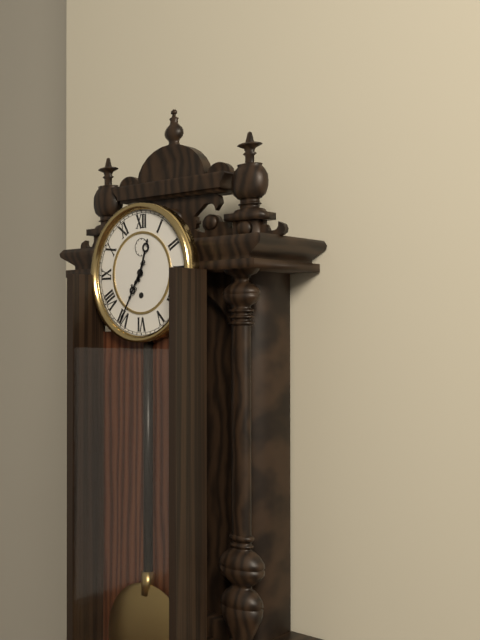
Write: 12:35
